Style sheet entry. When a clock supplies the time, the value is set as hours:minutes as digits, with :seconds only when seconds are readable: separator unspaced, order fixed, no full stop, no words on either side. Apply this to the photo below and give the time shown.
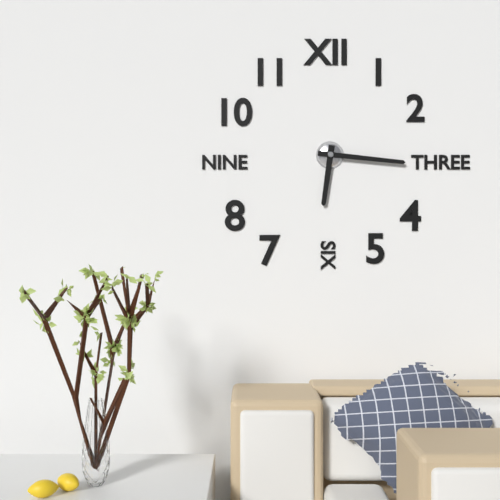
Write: 6:16
